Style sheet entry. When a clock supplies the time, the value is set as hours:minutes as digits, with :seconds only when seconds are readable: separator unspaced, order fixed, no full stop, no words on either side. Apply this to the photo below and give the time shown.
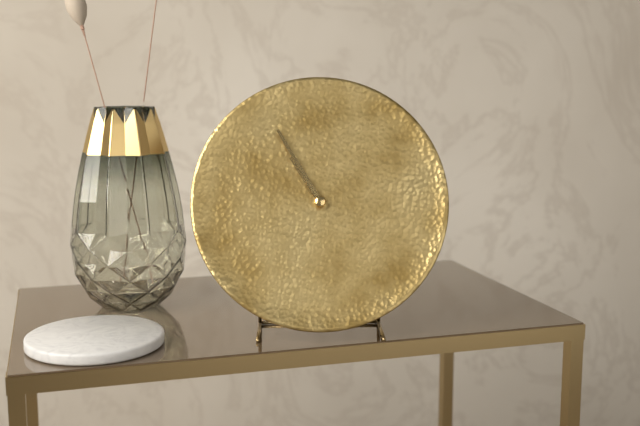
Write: 10:55
